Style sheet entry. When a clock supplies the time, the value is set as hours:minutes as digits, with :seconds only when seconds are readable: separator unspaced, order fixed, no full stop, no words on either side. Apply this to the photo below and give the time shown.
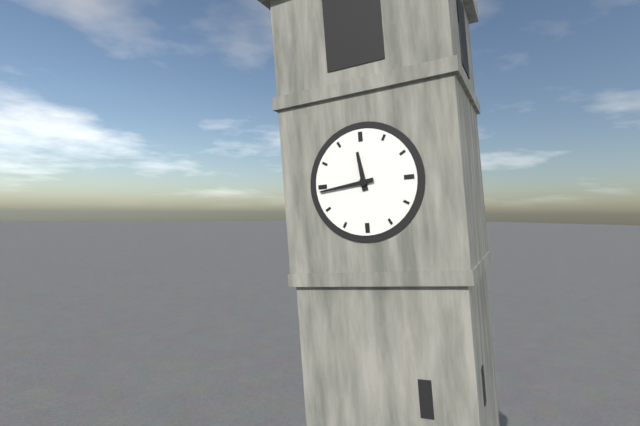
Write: 11:44
